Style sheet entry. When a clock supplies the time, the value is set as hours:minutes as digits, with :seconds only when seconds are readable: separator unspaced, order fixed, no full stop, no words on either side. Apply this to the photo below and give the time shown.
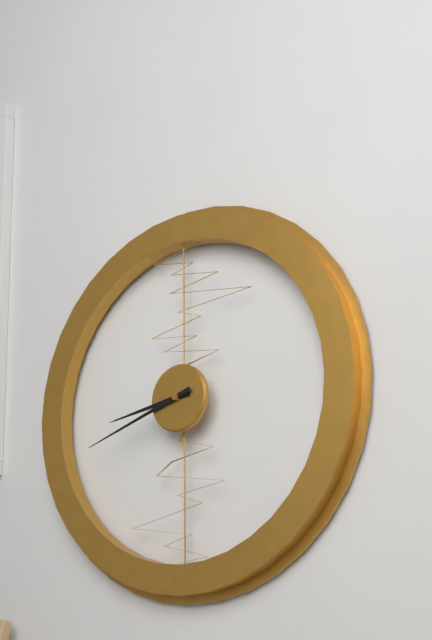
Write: 8:42
